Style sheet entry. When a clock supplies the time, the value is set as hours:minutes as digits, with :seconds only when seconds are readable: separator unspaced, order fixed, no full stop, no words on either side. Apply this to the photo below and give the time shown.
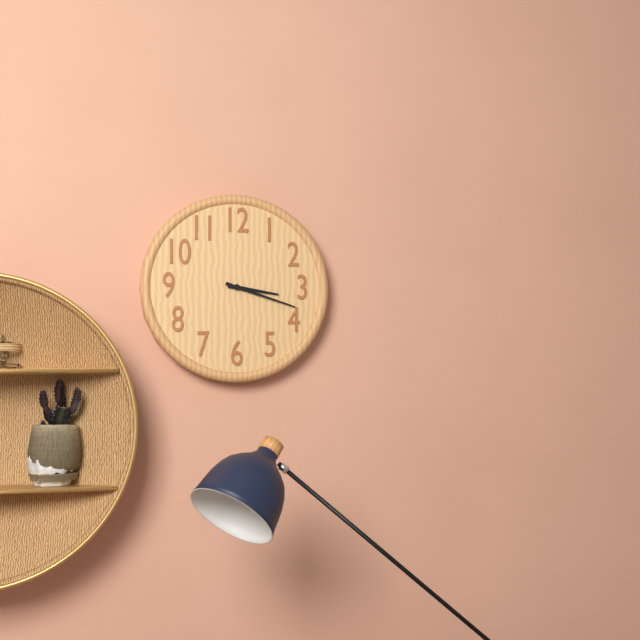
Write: 3:18
